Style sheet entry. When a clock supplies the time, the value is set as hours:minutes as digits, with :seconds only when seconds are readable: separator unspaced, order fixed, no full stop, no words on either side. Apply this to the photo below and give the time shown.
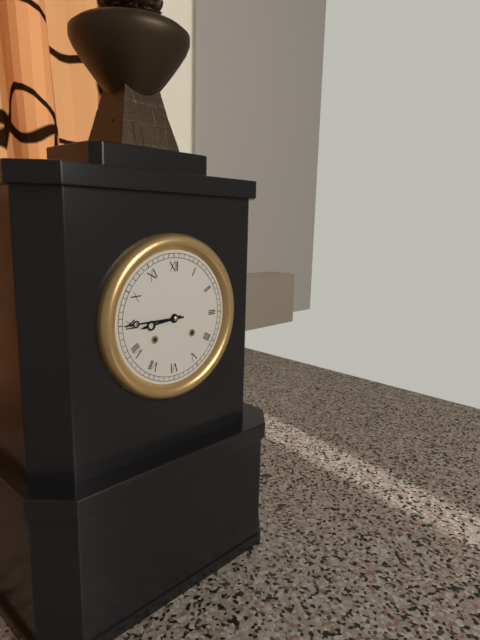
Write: 8:45
